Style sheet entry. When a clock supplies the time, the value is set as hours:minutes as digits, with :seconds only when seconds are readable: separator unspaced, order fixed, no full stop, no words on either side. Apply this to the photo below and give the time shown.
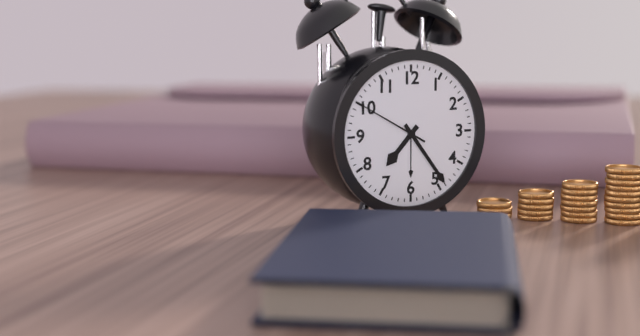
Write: 7:24:50
